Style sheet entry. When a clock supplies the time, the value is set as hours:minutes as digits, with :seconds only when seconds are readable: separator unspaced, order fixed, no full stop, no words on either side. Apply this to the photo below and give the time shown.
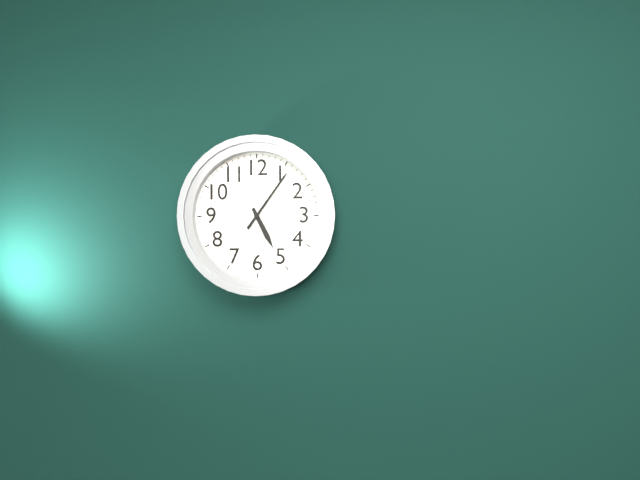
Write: 5:06
